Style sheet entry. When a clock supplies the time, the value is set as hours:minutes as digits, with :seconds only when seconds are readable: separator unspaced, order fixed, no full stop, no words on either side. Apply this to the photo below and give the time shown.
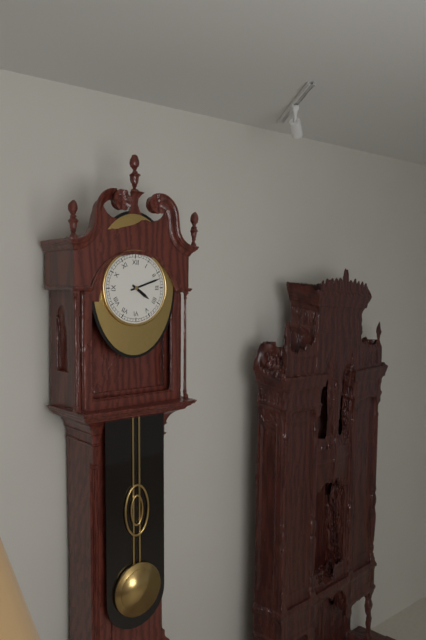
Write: 4:12
